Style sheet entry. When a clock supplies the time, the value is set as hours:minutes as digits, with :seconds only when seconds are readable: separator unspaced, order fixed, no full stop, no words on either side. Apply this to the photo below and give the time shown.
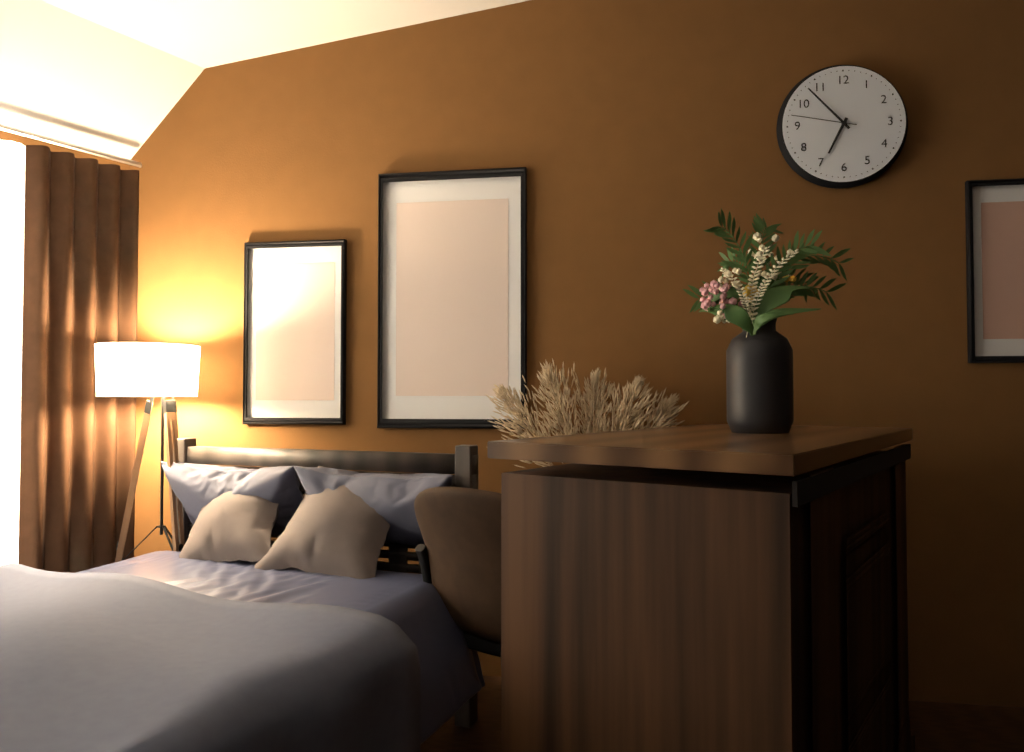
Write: 6:53:47
